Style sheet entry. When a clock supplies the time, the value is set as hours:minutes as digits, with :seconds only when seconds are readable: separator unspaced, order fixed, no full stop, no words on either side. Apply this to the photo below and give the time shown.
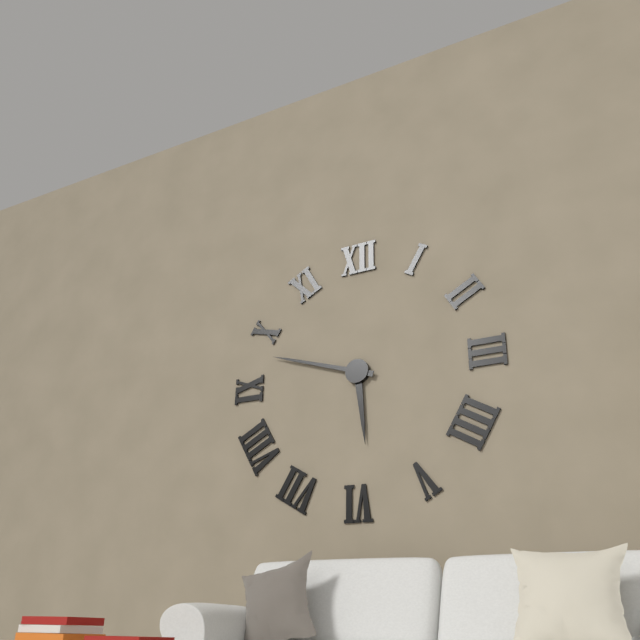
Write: 5:48
